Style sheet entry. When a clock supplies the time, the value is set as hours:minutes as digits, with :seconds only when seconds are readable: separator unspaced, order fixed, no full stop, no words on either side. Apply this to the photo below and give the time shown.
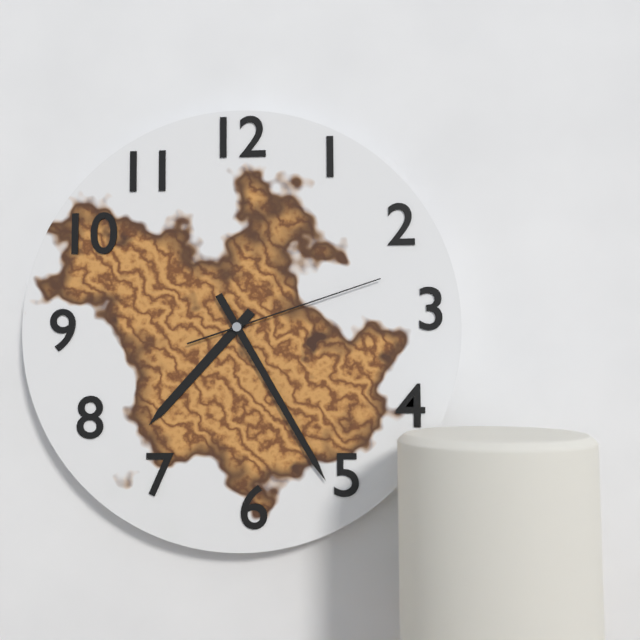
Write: 7:25:12
